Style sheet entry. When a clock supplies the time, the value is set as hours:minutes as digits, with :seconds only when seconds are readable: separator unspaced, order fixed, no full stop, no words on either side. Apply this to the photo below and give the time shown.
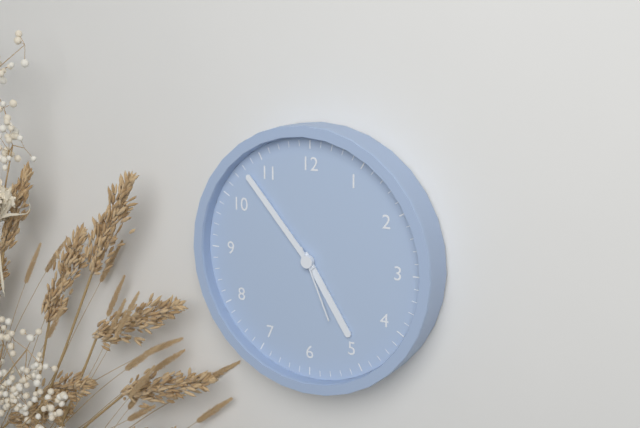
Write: 4:53:26
